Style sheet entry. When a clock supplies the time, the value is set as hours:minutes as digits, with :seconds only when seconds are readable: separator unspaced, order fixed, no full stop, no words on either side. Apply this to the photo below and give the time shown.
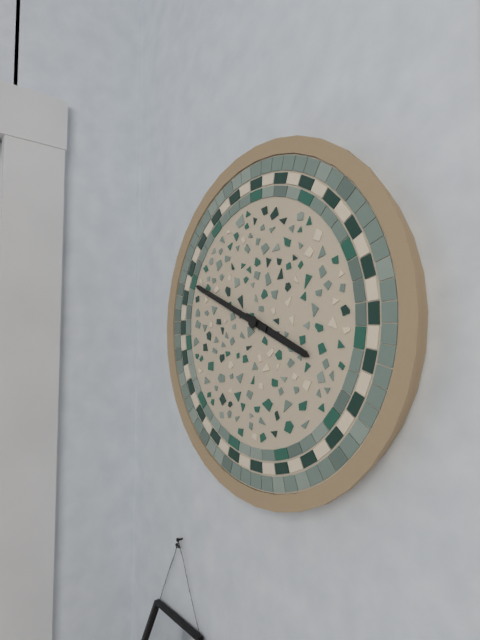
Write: 3:49
